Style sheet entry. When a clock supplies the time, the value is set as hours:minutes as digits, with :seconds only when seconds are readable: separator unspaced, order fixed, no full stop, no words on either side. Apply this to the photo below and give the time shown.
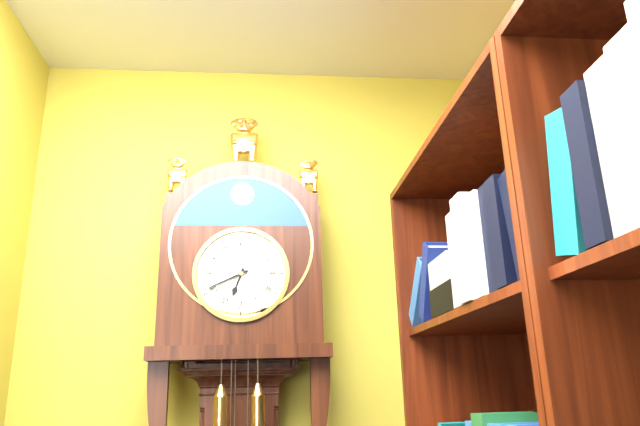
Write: 6:41
